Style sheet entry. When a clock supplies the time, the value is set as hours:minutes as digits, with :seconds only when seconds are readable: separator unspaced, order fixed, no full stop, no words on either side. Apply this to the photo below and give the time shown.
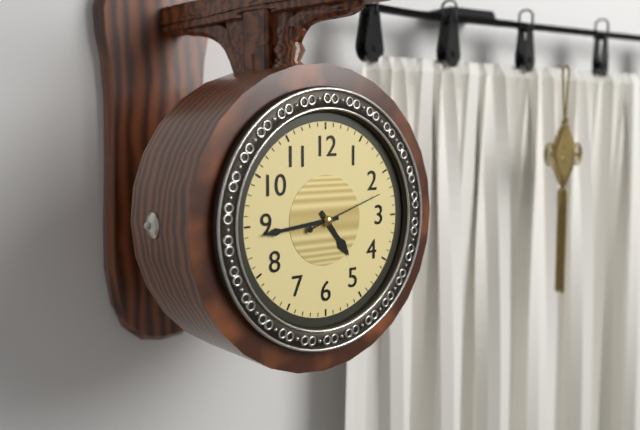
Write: 4:44:12
